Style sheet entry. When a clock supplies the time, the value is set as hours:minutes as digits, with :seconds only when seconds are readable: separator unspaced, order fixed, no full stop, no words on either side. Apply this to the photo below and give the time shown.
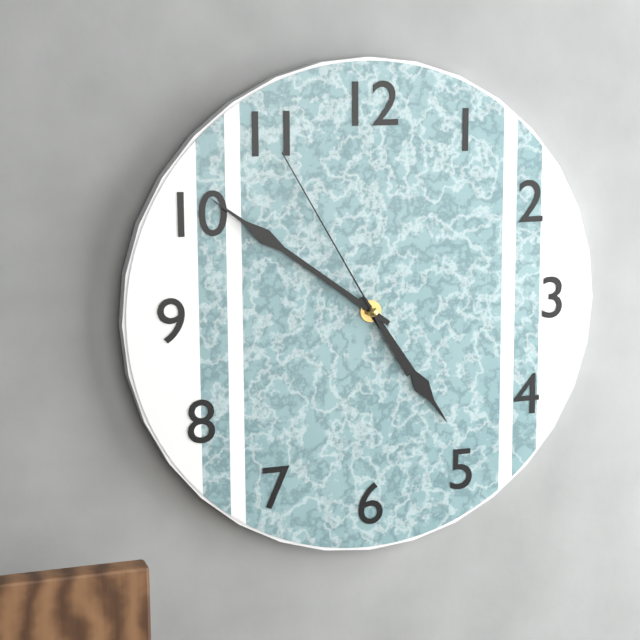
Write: 4:51:55
